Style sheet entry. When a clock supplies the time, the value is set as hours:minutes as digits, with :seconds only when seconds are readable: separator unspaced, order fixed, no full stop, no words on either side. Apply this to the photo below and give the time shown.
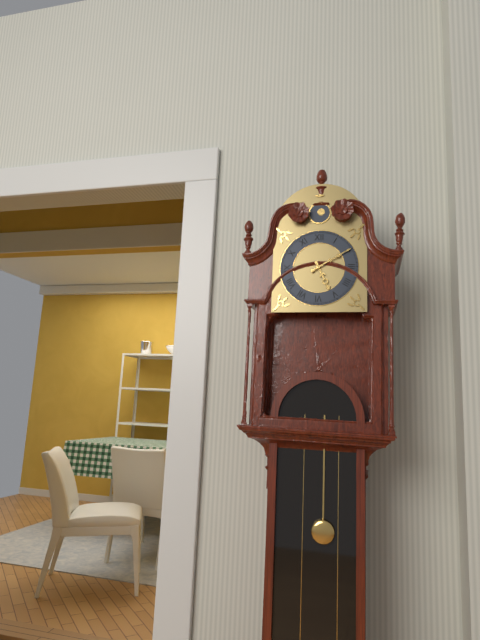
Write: 5:10
